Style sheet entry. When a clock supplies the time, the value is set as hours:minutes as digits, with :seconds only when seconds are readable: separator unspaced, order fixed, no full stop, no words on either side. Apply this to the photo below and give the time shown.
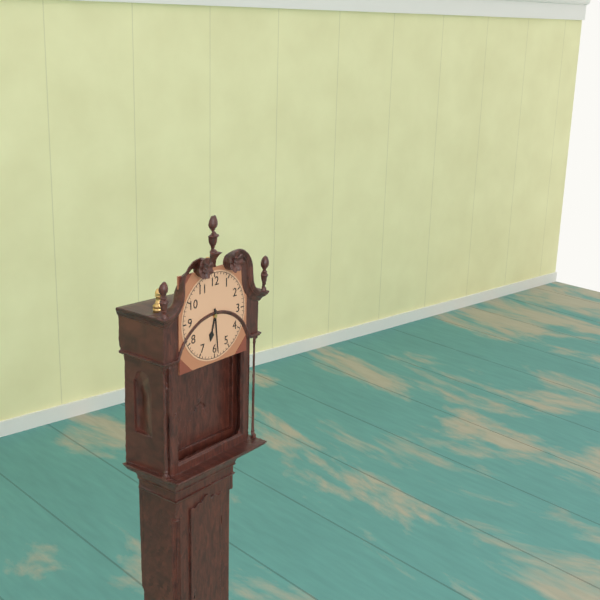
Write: 6:29
